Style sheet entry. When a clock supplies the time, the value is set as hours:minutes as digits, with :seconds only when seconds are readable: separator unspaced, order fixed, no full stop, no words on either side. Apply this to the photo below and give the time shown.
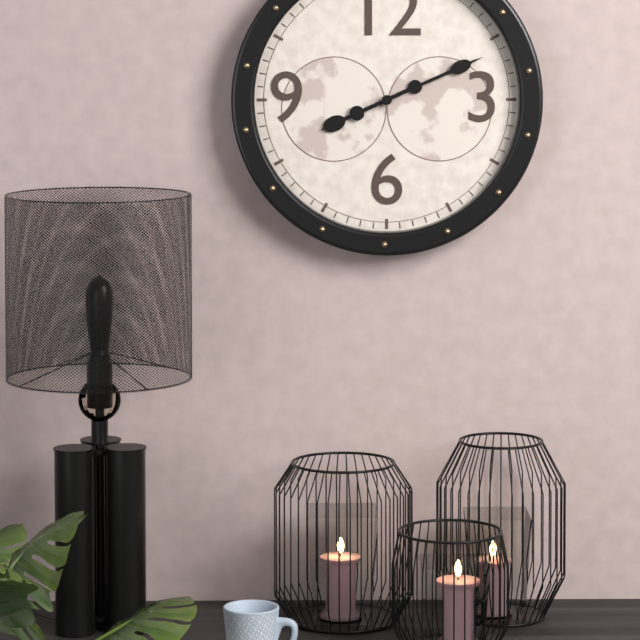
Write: 8:11
